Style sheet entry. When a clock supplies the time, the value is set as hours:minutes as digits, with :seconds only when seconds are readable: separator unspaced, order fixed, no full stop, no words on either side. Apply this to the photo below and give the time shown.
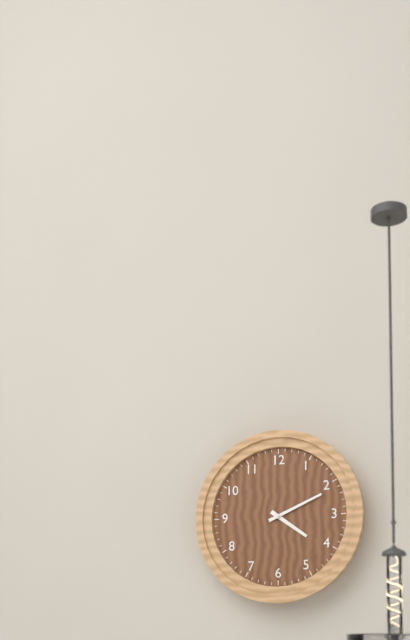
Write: 4:11
